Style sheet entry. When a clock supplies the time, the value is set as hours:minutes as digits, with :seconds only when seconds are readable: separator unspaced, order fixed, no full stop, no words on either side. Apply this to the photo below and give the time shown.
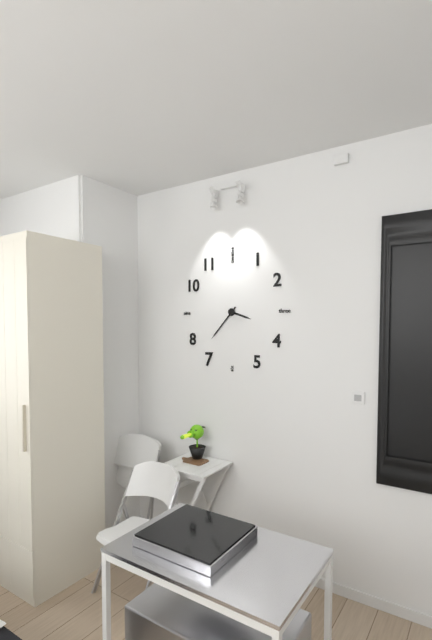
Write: 3:37
